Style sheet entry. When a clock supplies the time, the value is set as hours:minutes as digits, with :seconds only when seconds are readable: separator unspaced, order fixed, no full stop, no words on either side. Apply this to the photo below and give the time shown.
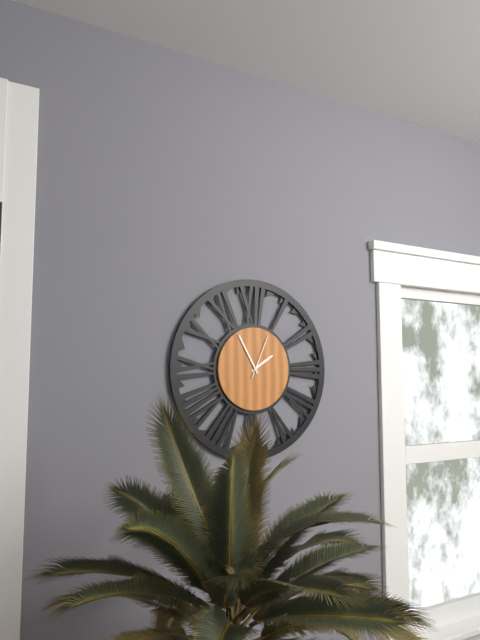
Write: 1:55
